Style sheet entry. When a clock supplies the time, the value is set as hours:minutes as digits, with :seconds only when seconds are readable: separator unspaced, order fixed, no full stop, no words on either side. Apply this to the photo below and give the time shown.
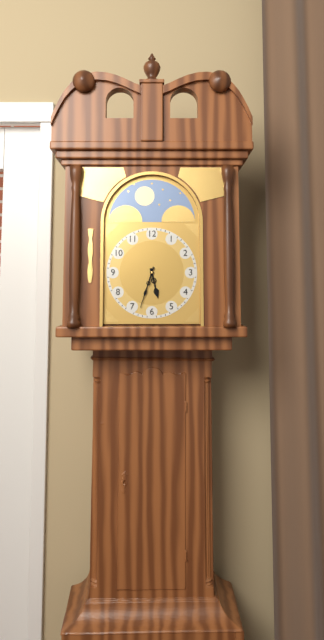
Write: 5:33
